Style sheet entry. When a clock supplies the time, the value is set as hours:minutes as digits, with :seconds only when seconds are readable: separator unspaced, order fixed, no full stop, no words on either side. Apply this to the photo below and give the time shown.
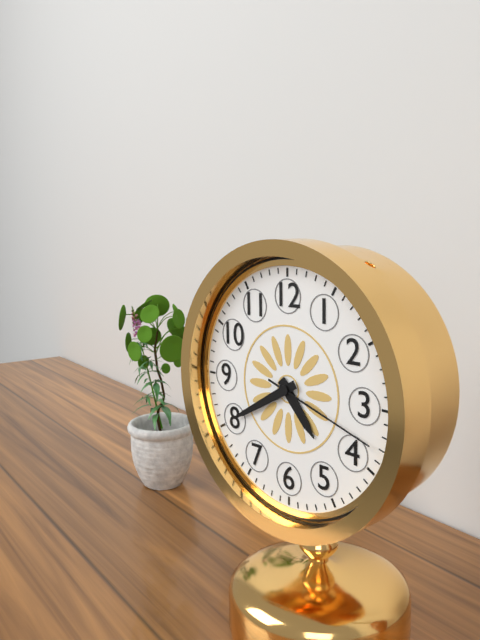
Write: 4:40:18
